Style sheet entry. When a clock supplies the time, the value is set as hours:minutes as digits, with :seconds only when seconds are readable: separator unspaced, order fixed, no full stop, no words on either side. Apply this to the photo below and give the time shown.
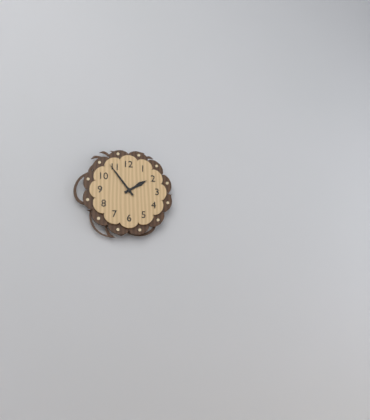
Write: 1:54
